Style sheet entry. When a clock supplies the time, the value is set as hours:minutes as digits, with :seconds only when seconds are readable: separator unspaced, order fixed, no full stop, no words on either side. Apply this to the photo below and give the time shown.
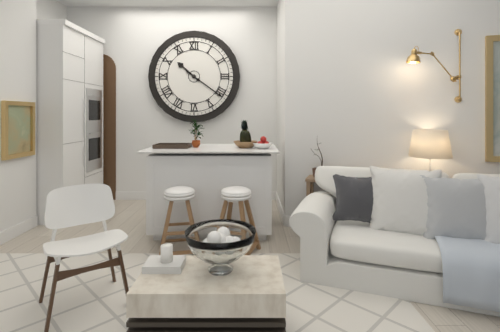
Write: 10:21
